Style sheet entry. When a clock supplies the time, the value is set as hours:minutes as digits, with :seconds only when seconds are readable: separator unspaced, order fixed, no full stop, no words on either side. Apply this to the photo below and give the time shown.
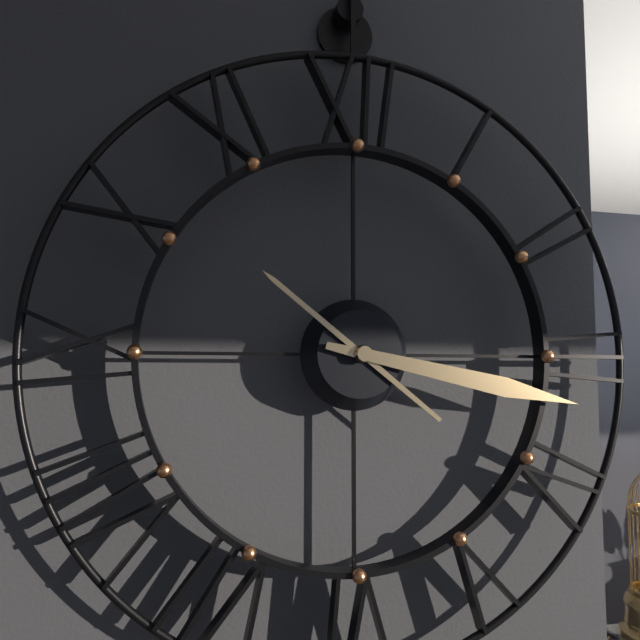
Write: 10:17
